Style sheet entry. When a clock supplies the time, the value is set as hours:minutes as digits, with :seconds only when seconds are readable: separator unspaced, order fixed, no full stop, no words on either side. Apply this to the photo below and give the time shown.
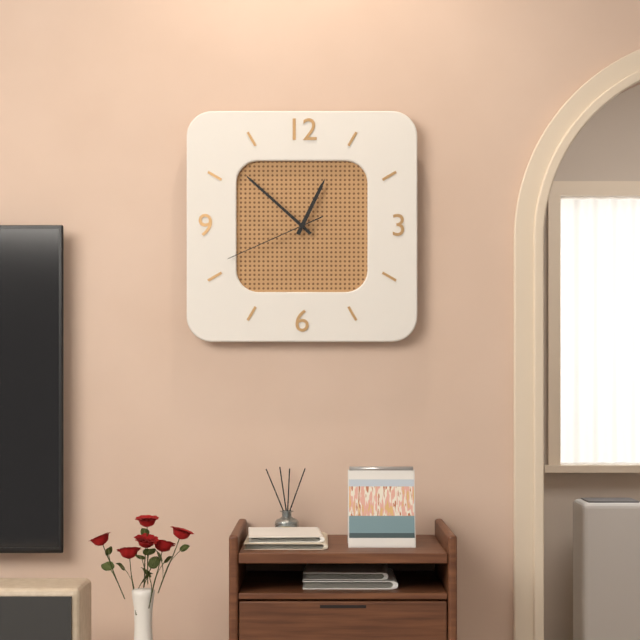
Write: 12:52:41
